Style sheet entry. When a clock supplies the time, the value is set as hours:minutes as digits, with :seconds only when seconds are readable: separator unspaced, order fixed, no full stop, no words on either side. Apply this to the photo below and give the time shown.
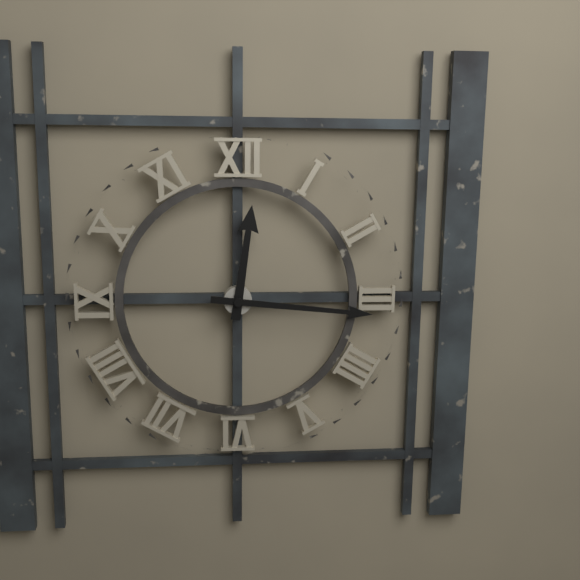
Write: 12:16
